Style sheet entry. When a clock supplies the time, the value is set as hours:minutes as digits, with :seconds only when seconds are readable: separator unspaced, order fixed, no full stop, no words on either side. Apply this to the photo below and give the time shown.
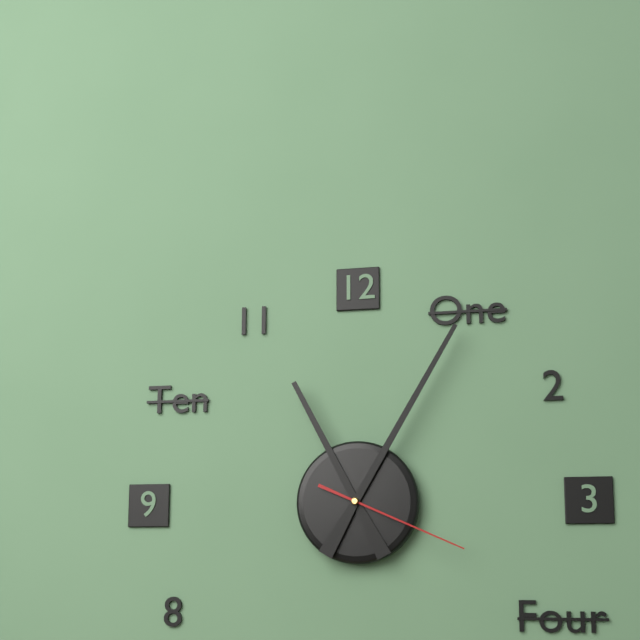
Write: 11:05:19
